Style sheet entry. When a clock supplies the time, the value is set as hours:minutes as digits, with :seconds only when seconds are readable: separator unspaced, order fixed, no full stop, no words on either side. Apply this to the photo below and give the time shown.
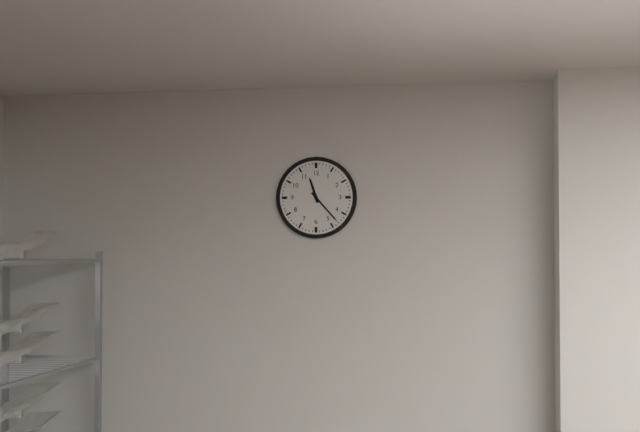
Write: 11:23
